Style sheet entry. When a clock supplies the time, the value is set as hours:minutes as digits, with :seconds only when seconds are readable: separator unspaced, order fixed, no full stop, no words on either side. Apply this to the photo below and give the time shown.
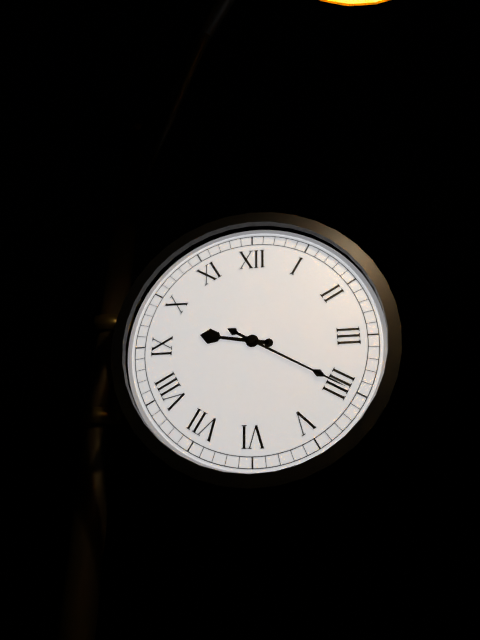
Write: 9:20
